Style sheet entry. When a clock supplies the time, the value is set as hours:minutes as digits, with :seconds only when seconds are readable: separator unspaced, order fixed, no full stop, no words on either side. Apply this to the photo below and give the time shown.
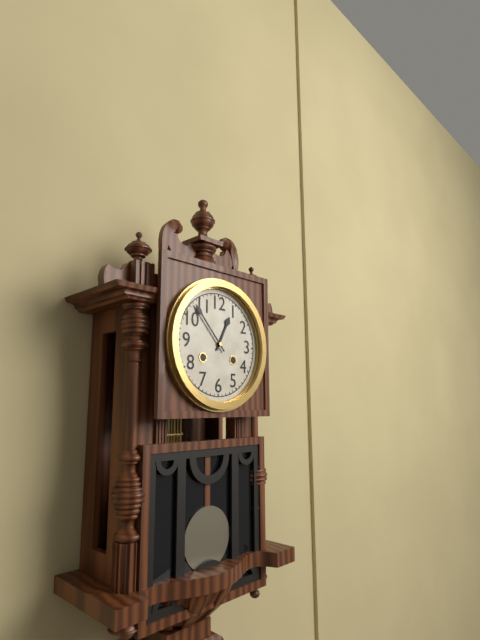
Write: 12:53
